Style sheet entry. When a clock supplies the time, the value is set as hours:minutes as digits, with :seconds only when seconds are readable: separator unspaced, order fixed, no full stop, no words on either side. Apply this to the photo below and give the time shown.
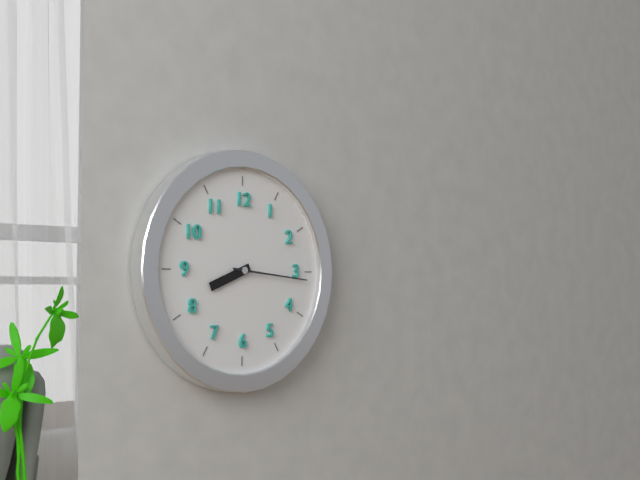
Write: 8:16
